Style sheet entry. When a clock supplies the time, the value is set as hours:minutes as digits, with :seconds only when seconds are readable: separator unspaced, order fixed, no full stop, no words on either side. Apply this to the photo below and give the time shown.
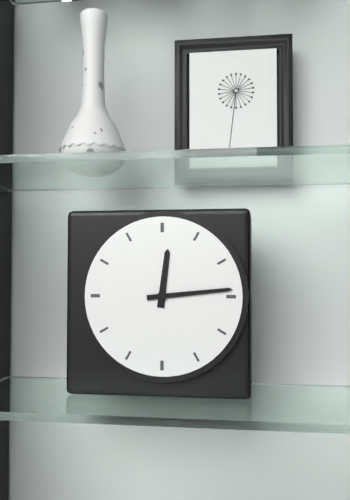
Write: 12:14
